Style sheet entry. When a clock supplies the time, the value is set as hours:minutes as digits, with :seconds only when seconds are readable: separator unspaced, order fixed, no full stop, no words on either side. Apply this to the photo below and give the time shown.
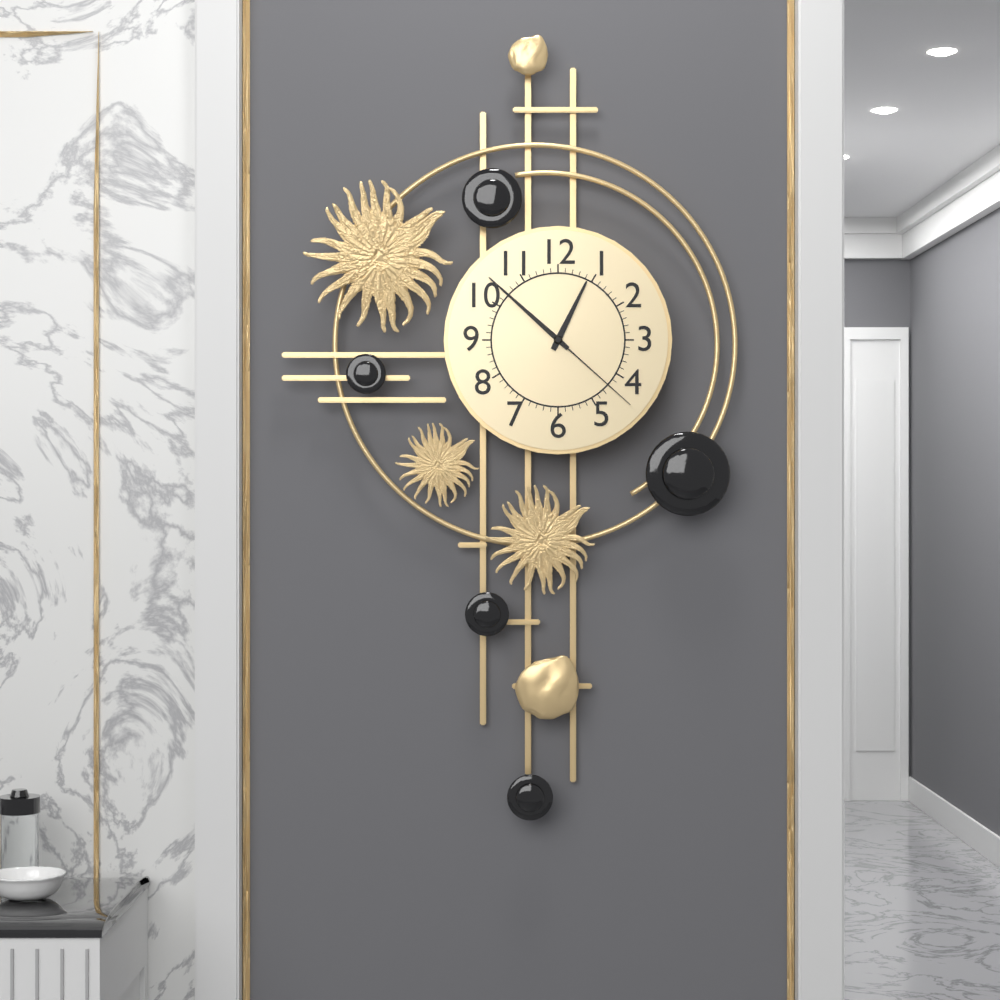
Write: 12:52:22
